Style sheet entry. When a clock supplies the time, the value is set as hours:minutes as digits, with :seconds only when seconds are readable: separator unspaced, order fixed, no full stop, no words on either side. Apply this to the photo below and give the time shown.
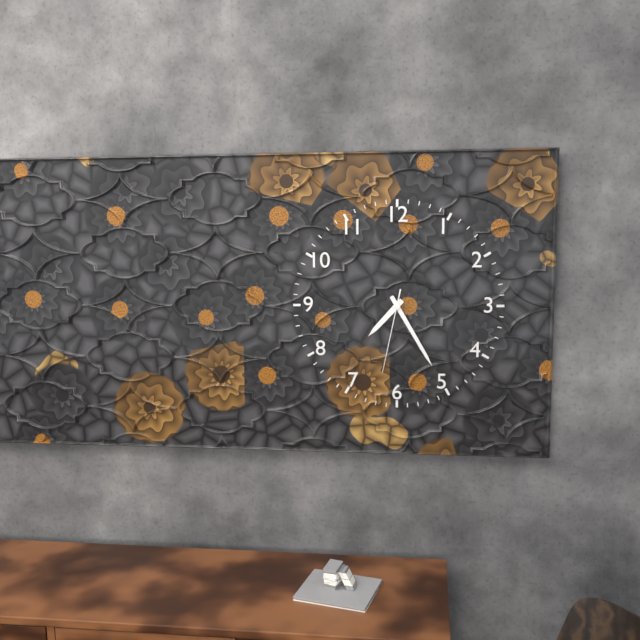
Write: 7:25:32
